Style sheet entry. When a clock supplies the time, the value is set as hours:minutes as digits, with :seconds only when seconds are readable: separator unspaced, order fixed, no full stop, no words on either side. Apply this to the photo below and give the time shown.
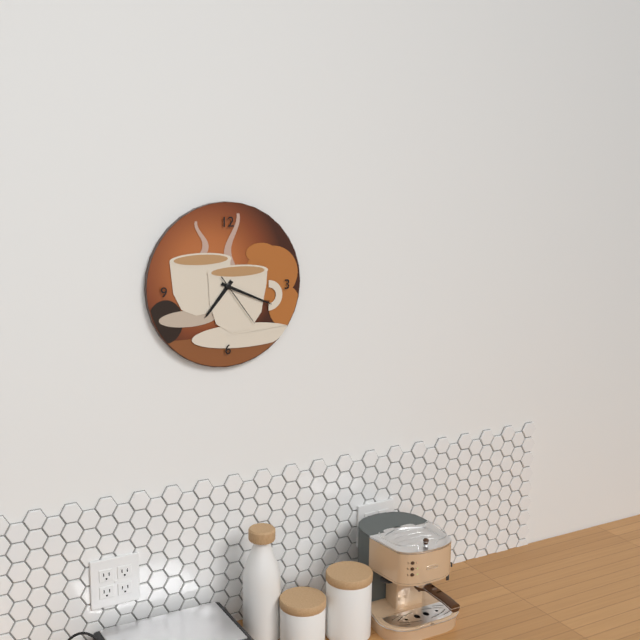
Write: 7:19:24
